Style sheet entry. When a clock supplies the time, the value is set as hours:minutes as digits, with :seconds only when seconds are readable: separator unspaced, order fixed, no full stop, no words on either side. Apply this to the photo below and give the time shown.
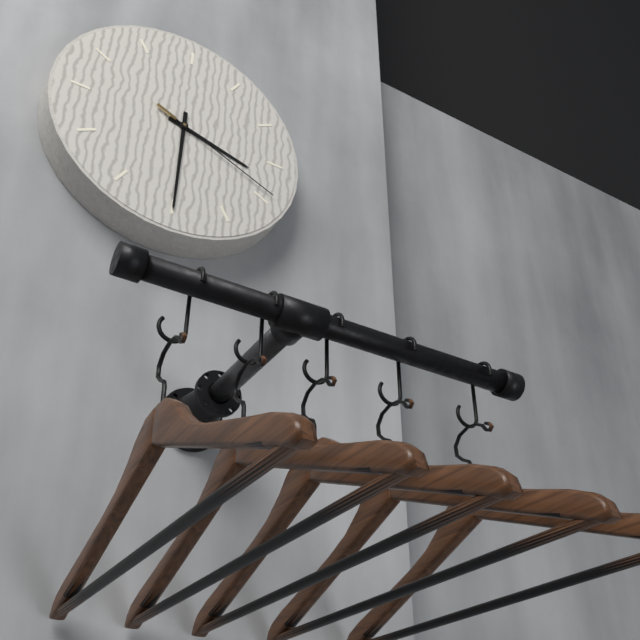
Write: 3:30:19
